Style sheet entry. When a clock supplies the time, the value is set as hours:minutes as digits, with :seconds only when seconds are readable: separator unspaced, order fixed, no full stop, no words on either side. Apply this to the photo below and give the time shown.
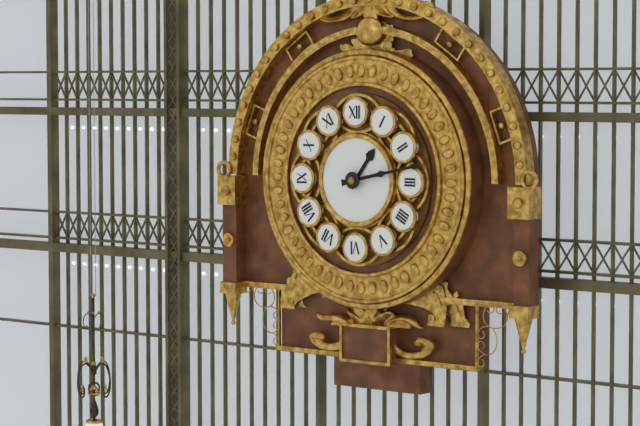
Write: 1:13
